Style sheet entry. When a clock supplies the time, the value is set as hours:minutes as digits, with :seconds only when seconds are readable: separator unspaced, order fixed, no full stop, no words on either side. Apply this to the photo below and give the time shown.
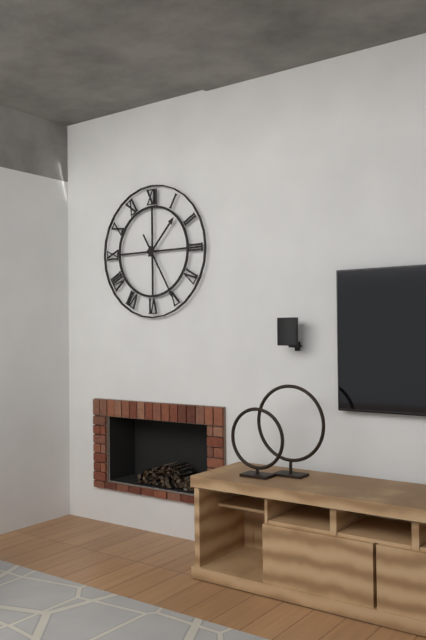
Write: 1:25
